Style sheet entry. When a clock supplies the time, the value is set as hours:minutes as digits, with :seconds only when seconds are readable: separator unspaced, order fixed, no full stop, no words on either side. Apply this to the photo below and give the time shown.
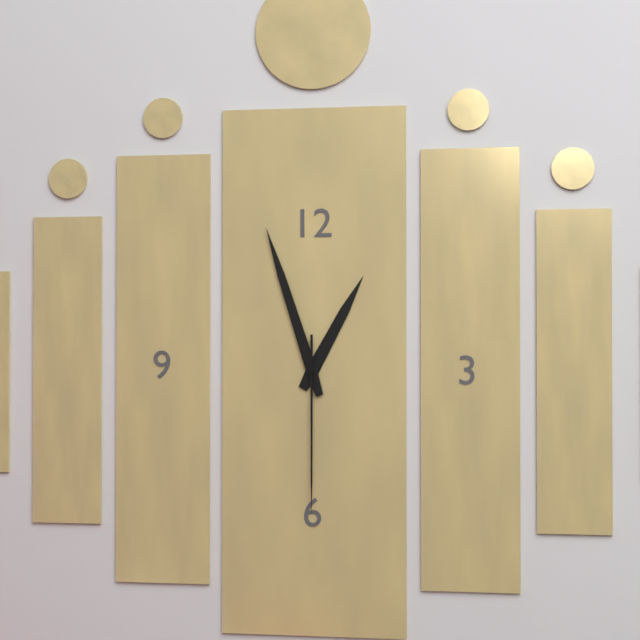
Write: 12:57:30
